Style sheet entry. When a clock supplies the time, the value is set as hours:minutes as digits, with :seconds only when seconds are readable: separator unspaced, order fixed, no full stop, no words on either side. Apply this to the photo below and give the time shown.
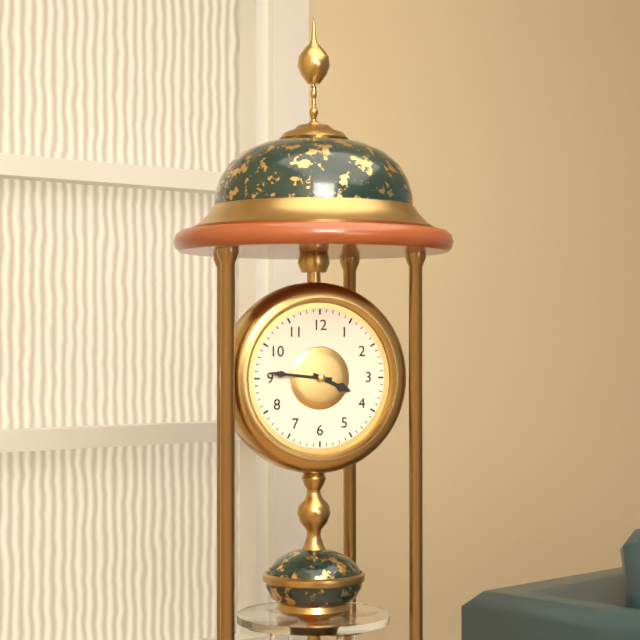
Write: 3:46
